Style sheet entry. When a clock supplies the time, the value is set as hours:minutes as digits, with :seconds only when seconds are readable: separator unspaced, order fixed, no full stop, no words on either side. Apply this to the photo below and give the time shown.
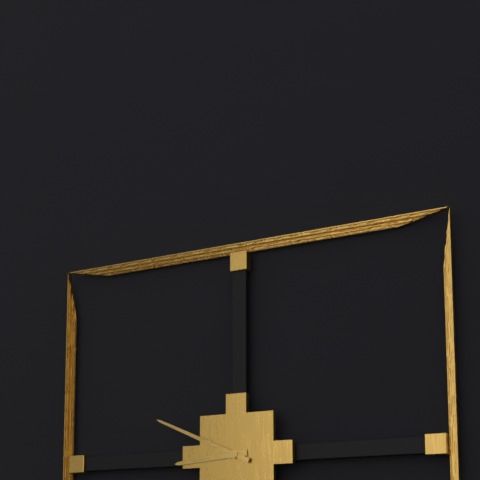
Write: 8:49
